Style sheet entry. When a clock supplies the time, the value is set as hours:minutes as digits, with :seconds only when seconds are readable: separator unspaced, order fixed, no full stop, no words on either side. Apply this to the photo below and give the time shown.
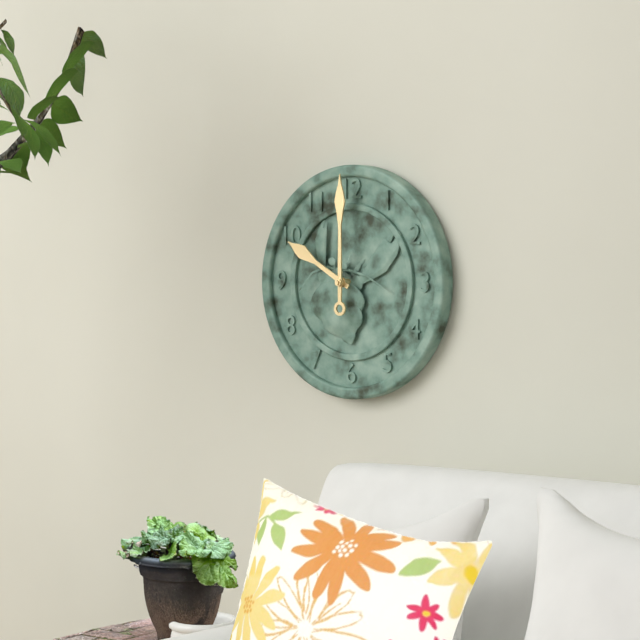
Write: 10:00
